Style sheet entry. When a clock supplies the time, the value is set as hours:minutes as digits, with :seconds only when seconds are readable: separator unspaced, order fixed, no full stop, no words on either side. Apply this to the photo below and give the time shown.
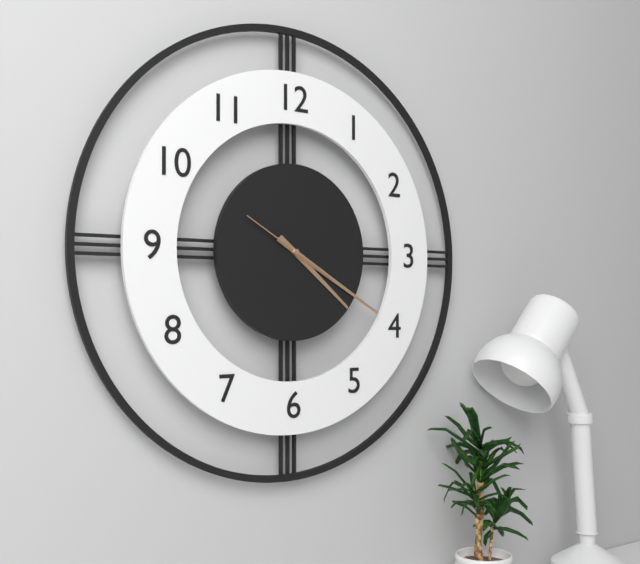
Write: 4:20:50
